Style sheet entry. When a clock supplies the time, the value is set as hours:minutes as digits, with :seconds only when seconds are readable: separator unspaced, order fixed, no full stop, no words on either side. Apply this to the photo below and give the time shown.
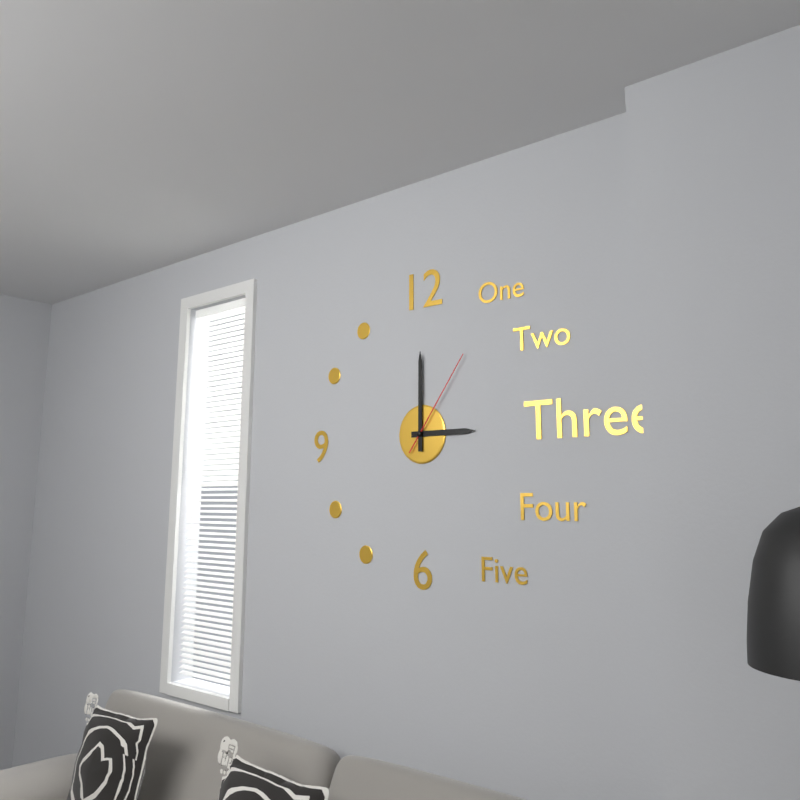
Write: 3:00:06
